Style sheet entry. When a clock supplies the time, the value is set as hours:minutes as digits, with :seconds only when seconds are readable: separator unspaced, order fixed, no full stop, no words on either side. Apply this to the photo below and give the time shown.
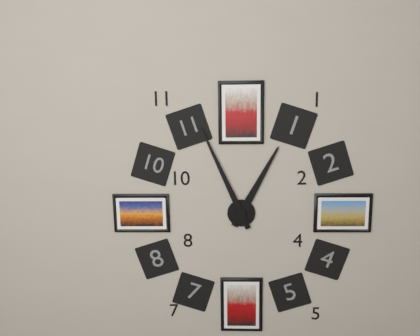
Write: 12:56
